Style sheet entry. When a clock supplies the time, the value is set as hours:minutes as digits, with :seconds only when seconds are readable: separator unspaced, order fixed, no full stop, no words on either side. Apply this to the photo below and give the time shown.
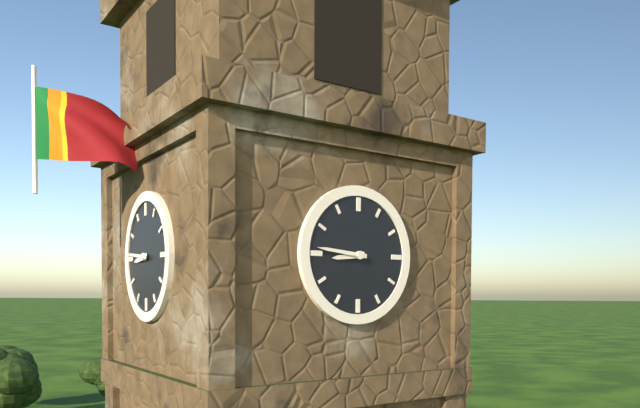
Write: 8:46
